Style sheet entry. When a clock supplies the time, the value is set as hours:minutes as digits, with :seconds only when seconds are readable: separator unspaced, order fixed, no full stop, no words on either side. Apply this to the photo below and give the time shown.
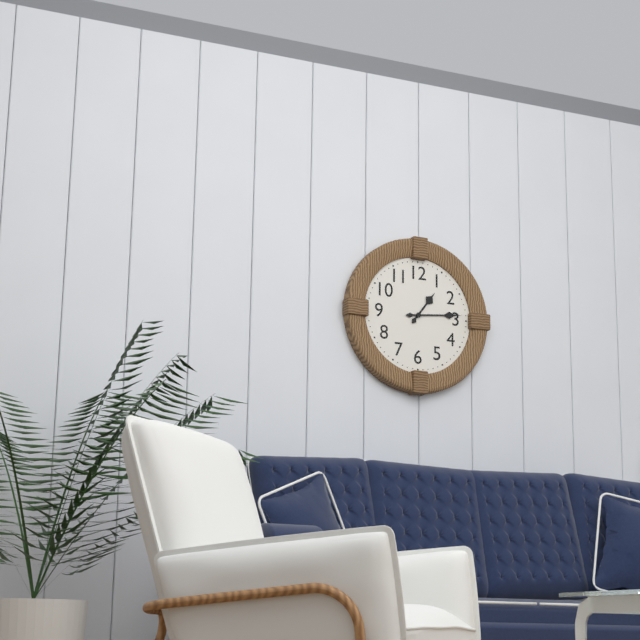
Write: 1:14
